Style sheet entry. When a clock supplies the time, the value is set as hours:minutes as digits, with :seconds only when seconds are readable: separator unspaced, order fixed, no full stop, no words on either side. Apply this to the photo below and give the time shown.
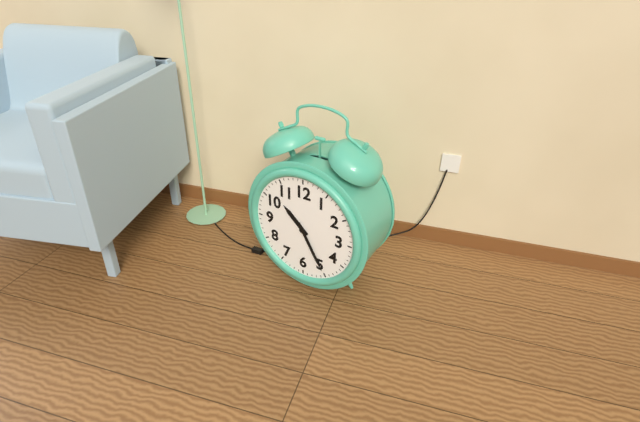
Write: 10:25
